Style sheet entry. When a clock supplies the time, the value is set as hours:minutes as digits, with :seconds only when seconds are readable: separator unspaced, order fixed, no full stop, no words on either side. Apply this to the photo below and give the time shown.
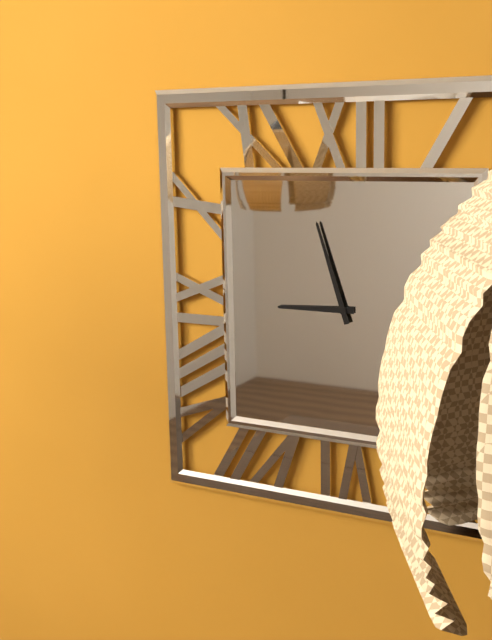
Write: 8:57
